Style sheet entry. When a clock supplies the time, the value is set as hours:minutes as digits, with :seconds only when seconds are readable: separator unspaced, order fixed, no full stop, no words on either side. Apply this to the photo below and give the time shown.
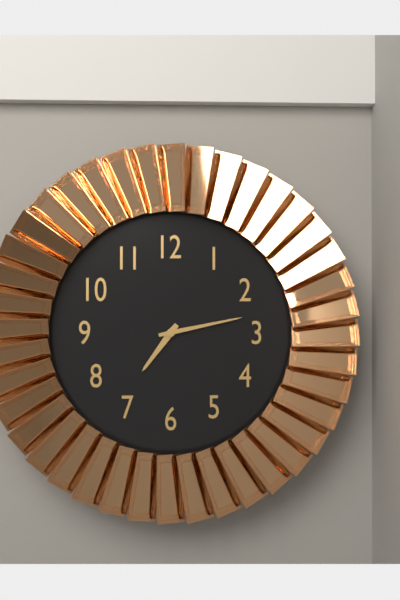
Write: 7:13
